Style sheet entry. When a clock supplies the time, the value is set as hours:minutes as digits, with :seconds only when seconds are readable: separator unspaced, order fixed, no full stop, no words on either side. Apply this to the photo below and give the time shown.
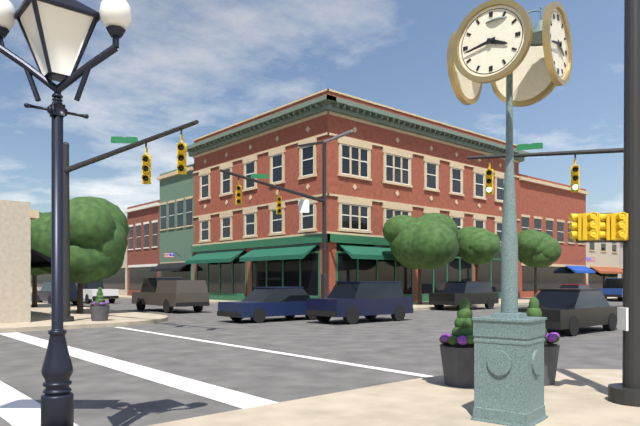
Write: 3:43
